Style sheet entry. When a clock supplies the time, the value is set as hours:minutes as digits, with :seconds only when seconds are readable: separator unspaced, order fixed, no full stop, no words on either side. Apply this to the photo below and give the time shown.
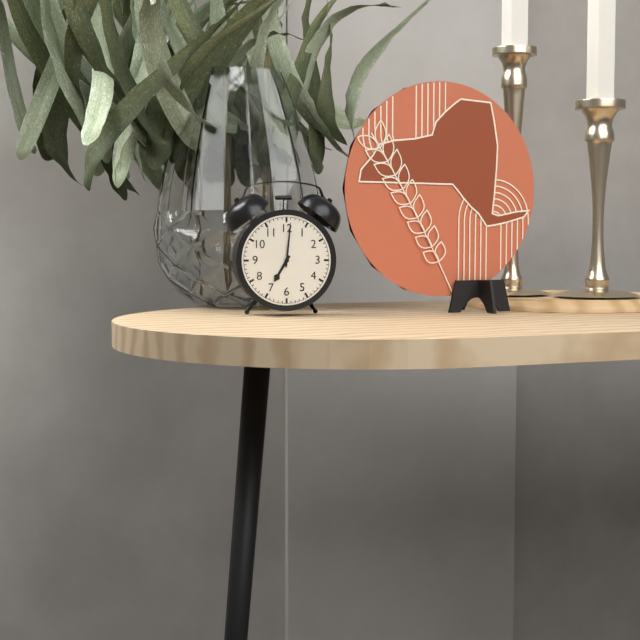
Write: 7:01
